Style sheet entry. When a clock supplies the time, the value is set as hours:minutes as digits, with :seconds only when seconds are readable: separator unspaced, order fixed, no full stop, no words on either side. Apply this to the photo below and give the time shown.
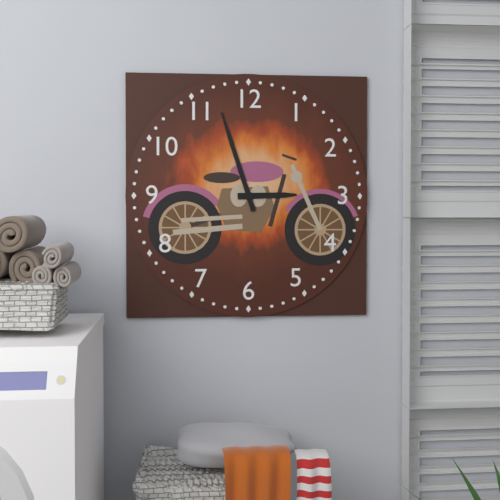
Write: 2:57
